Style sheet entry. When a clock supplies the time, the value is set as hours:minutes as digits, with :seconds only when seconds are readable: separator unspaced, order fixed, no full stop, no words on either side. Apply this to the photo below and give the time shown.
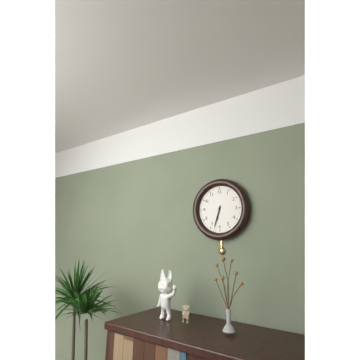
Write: 6:33
